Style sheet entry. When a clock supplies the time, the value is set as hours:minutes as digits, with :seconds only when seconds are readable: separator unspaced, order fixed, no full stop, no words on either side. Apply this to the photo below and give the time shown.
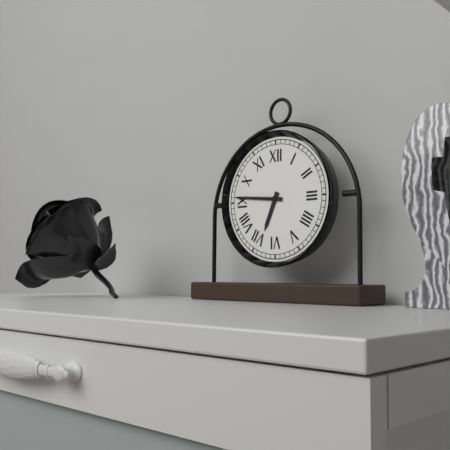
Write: 6:46
